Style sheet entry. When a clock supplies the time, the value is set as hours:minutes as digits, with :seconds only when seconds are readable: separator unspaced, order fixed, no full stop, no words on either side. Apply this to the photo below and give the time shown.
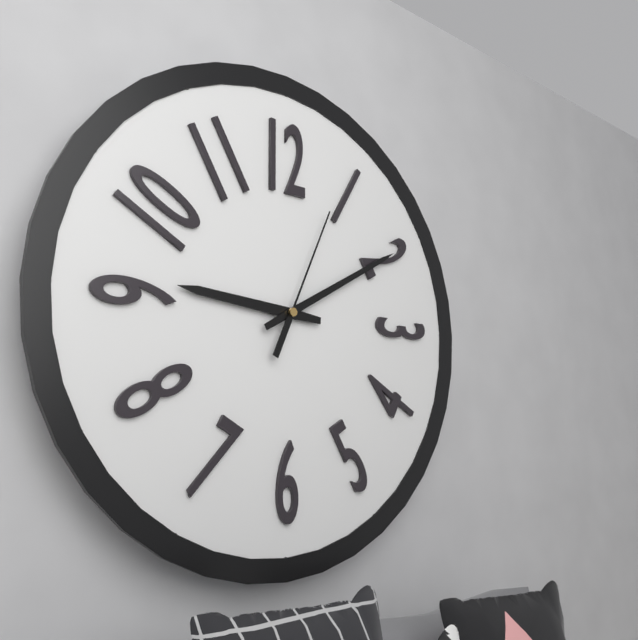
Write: 9:10:04
